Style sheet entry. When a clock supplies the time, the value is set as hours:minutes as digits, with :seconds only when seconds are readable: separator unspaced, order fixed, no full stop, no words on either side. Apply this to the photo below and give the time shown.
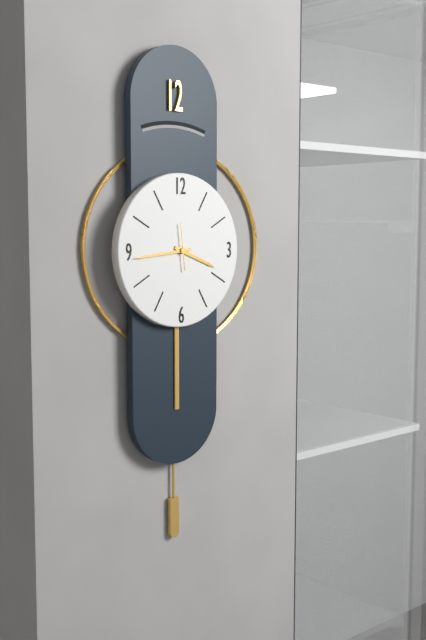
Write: 3:44
